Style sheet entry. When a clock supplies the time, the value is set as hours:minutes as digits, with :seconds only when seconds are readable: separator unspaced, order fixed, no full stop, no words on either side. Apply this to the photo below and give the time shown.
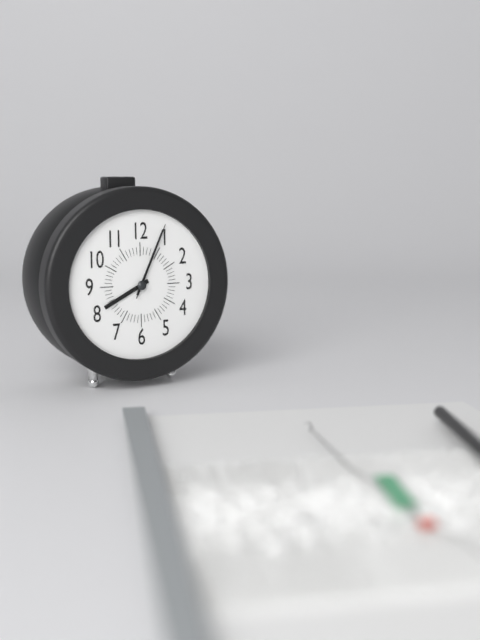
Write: 8:04:04
